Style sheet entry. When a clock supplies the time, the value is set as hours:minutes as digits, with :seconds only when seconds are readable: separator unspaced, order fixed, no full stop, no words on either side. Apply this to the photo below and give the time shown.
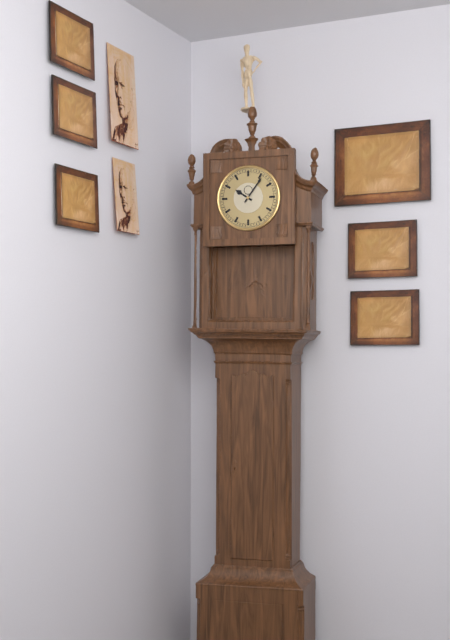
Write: 10:06
